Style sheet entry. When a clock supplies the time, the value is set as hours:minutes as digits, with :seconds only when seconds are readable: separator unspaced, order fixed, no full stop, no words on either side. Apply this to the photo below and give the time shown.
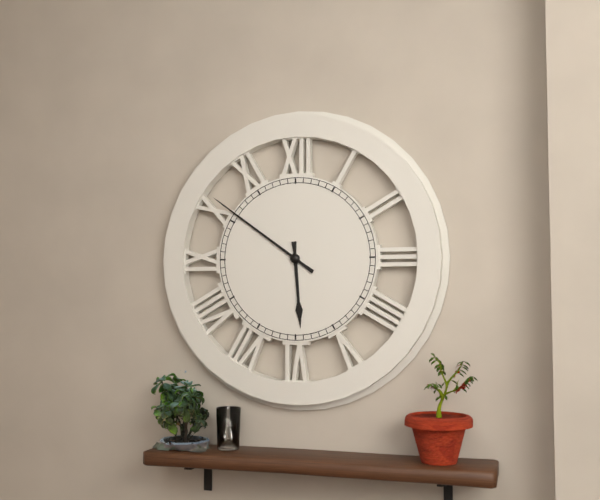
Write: 5:51
